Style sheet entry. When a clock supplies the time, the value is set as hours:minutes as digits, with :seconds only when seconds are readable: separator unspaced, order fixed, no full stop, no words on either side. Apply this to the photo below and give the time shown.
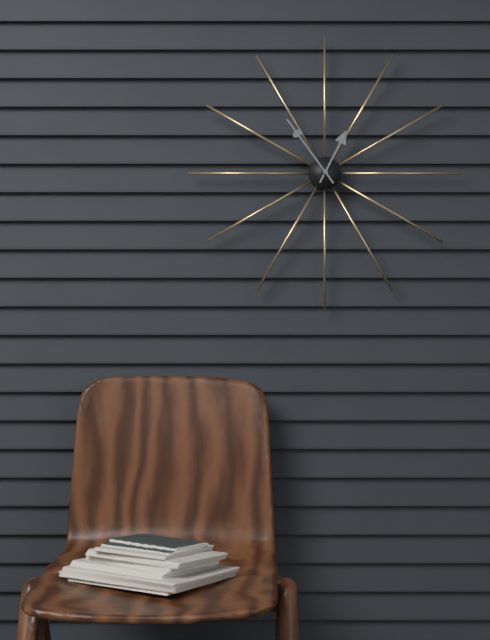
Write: 12:54
